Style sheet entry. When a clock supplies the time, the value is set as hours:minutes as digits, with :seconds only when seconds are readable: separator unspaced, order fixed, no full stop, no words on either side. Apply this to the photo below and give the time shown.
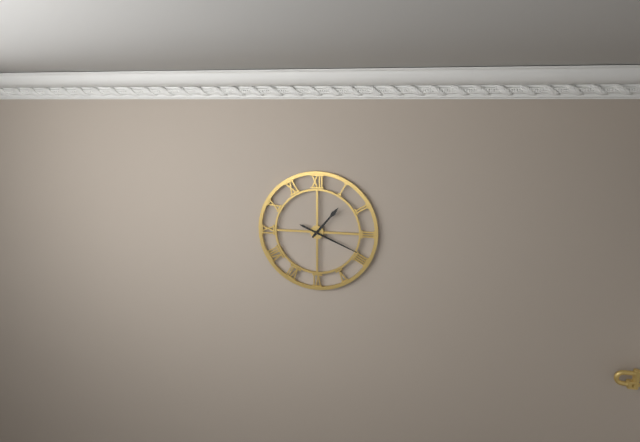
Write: 1:19
